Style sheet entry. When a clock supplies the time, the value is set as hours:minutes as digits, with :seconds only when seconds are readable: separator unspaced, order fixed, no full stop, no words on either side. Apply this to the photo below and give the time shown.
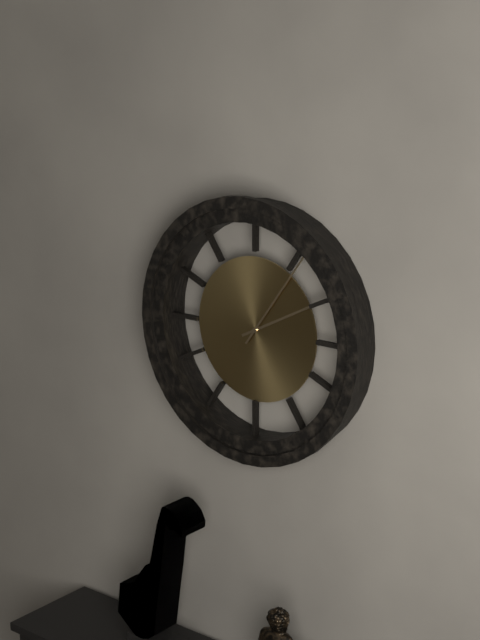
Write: 2:06
